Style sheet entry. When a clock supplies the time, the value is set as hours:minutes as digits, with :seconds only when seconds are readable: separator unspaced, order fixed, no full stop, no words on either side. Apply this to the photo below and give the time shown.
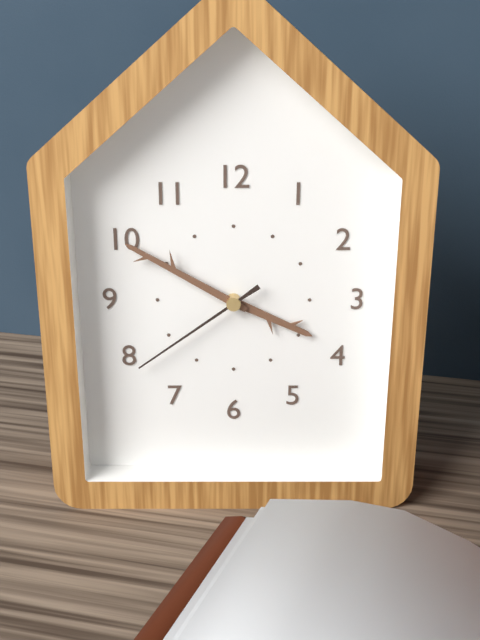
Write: 3:50:39
